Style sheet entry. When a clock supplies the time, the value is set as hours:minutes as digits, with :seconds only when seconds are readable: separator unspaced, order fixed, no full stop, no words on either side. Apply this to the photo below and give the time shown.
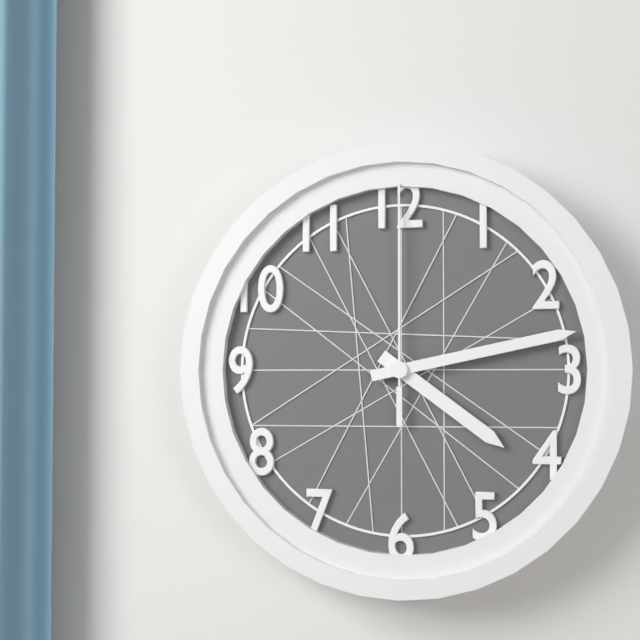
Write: 4:13:00
